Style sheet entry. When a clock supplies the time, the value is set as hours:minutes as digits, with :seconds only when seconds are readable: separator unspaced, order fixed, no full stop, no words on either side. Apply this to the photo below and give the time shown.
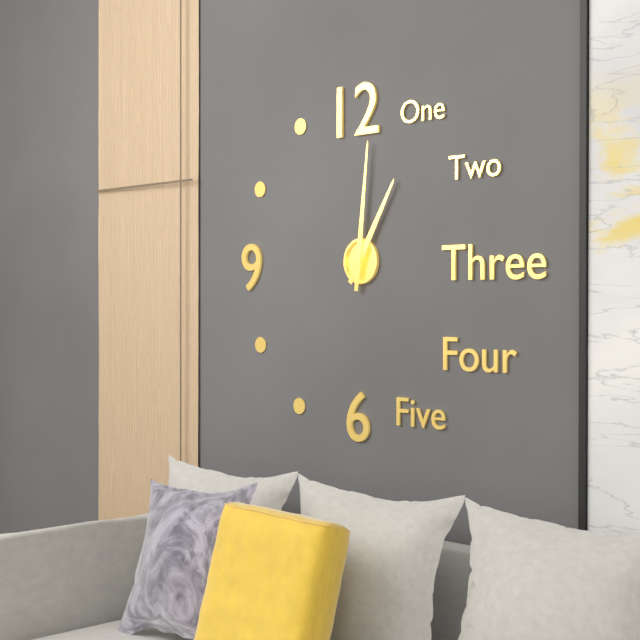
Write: 1:01
